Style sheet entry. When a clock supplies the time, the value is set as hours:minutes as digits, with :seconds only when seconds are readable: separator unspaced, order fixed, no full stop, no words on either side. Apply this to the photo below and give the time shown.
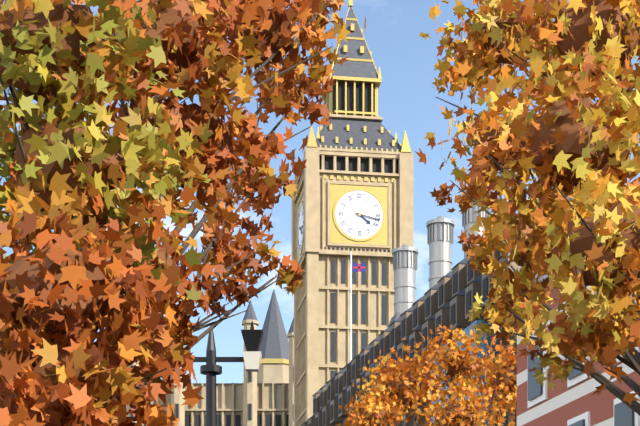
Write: 4:17
